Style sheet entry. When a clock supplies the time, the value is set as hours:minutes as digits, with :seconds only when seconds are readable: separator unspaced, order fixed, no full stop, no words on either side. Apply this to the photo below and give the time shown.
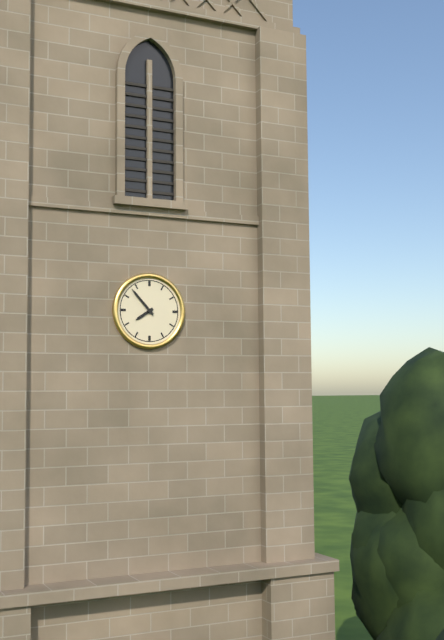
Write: 7:53
